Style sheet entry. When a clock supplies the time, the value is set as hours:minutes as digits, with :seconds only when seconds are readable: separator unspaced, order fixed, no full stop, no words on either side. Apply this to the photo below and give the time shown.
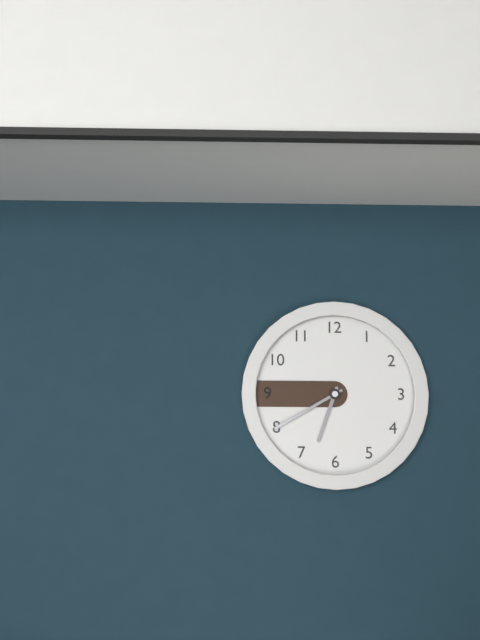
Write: 6:40
